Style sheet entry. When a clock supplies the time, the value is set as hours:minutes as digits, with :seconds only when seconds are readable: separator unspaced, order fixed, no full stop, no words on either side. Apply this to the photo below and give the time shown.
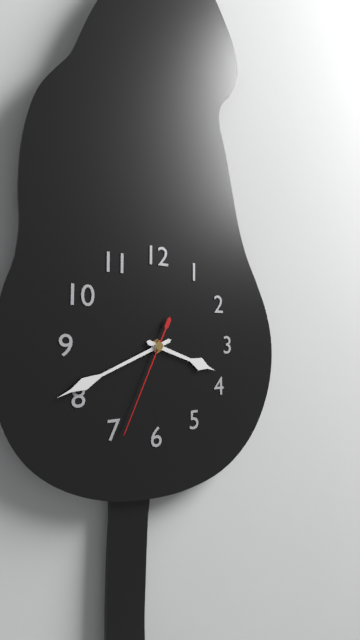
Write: 3:41:34
